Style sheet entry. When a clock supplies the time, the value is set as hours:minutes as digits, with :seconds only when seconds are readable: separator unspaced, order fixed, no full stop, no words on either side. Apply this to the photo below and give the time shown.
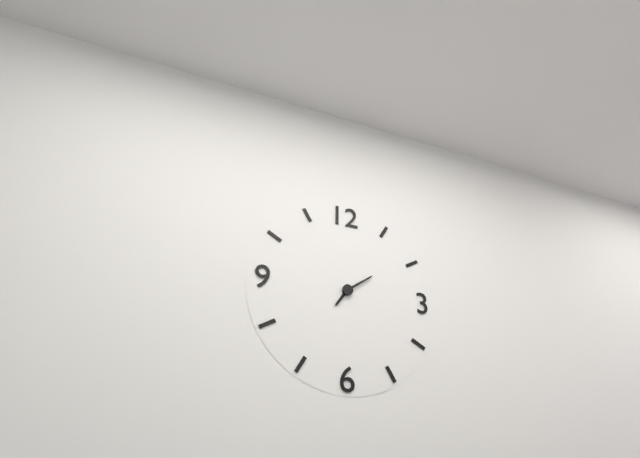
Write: 7:09
